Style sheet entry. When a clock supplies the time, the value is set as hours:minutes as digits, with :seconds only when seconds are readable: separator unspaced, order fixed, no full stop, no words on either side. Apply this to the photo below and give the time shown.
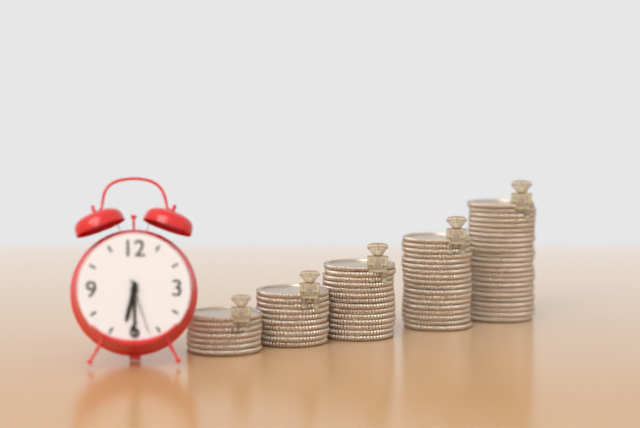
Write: 6:30:27
